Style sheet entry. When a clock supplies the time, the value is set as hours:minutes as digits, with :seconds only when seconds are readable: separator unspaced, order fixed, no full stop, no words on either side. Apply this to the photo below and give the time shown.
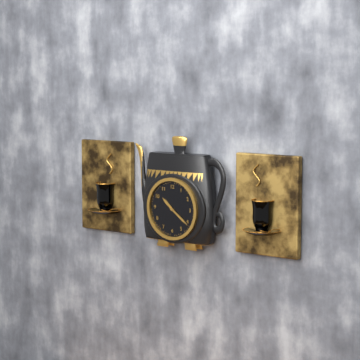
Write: 10:21
